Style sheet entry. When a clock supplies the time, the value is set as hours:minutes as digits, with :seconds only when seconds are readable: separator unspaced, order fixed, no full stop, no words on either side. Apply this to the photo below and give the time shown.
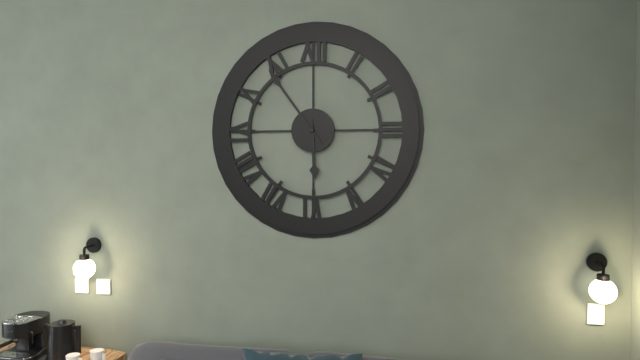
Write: 5:54
